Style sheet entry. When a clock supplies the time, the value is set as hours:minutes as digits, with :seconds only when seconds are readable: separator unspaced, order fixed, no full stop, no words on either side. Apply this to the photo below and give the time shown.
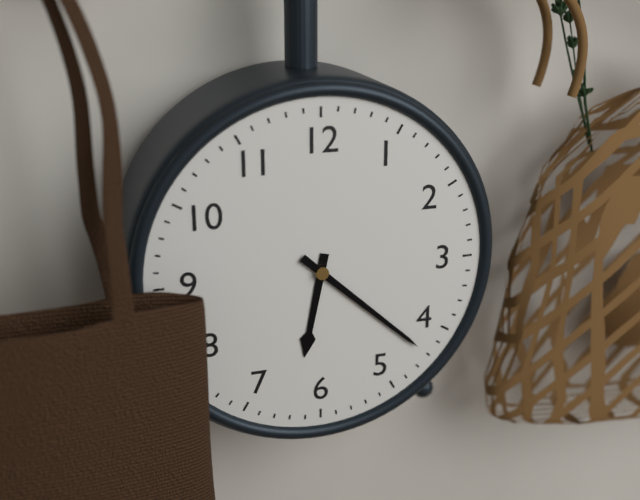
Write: 6:22
